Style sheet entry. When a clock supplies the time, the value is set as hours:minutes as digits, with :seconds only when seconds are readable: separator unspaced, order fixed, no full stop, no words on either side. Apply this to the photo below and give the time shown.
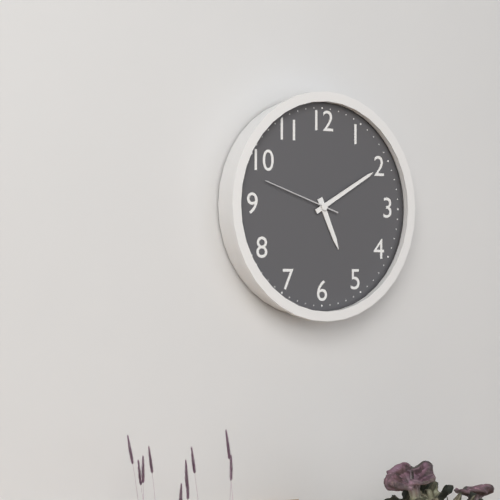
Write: 5:10:48
